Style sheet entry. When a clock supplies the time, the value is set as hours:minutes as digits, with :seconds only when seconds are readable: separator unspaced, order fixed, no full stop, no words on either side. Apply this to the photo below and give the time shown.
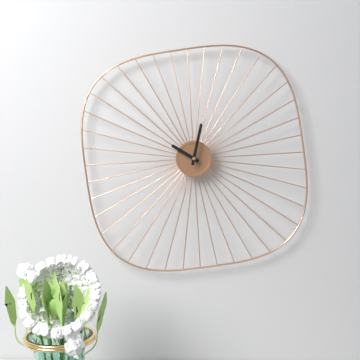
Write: 10:02
